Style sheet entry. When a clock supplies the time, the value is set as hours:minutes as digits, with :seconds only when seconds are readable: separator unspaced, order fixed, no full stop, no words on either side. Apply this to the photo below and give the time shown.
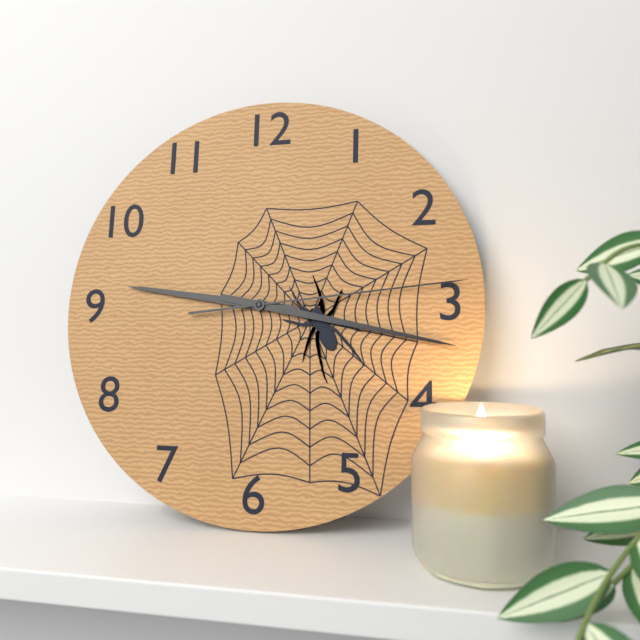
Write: 9:17:14
